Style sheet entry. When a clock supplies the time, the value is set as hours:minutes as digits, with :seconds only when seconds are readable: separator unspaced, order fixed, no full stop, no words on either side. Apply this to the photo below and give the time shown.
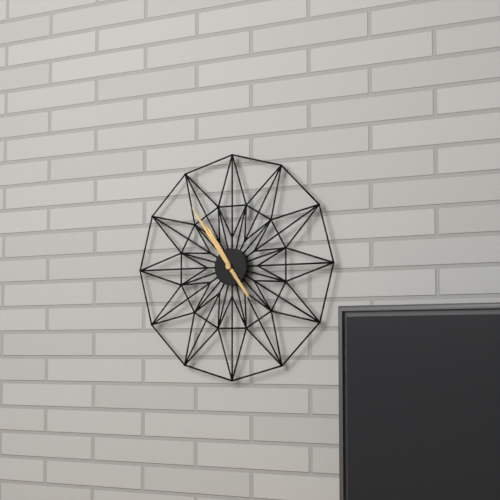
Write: 10:54
